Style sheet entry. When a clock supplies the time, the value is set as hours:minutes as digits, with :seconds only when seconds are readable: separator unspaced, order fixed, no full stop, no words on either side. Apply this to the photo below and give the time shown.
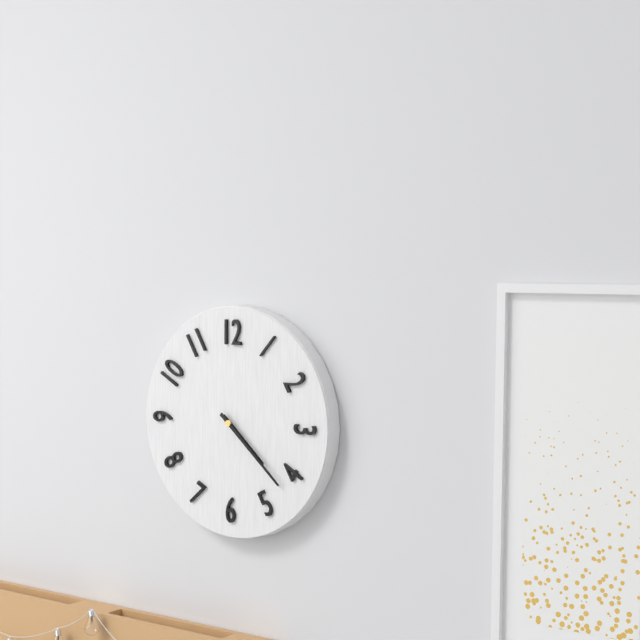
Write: 4:22
